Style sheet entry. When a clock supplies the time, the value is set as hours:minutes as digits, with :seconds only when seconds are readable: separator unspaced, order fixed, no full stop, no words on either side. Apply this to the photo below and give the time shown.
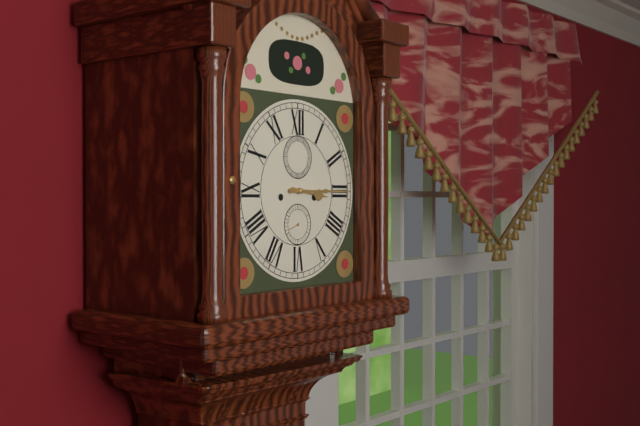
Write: 3:15
